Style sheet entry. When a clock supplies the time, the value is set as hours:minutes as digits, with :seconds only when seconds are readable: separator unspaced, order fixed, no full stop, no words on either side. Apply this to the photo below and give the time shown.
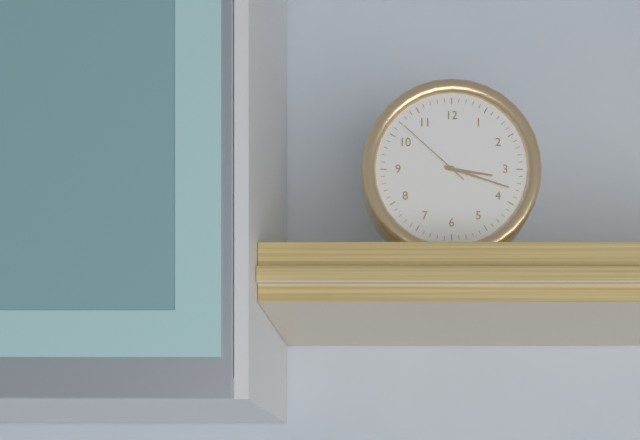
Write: 3:18:52
